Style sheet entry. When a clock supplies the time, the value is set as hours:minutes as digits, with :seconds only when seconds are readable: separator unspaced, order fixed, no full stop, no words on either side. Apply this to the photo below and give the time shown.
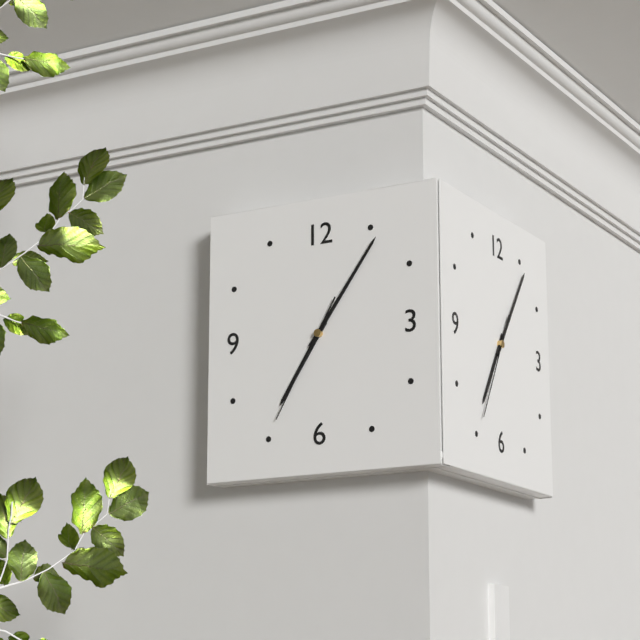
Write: 7:06:35
